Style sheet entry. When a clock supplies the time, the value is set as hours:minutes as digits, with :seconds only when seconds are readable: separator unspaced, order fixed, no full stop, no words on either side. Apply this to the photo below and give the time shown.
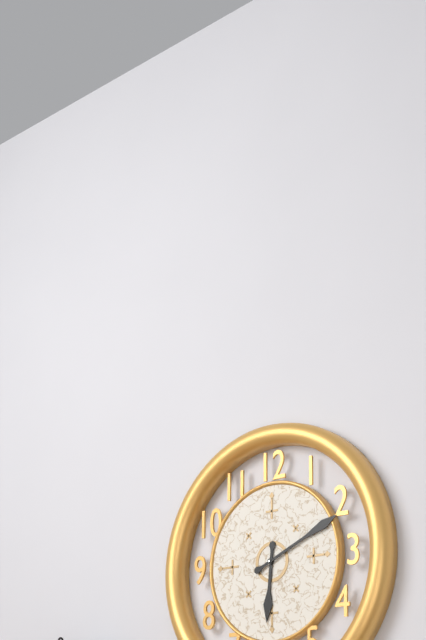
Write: 6:11
